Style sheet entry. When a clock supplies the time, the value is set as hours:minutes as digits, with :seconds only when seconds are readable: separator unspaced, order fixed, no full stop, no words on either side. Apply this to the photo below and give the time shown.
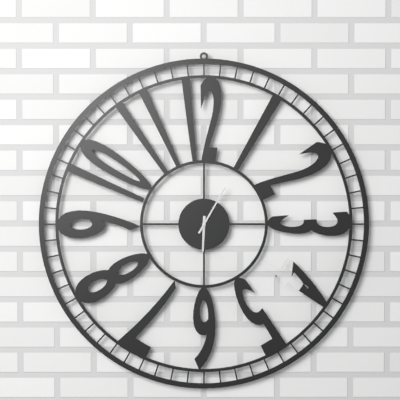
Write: 6:05
